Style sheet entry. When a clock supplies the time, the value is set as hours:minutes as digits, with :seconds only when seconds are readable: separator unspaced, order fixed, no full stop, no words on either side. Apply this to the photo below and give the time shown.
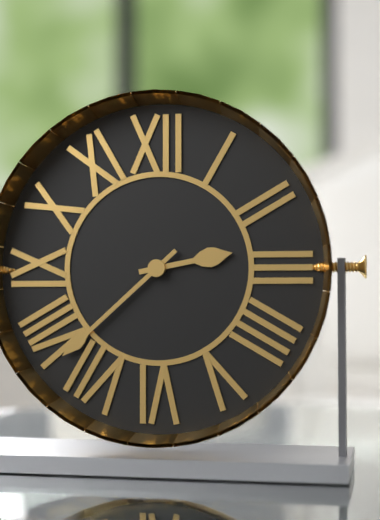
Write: 2:38
